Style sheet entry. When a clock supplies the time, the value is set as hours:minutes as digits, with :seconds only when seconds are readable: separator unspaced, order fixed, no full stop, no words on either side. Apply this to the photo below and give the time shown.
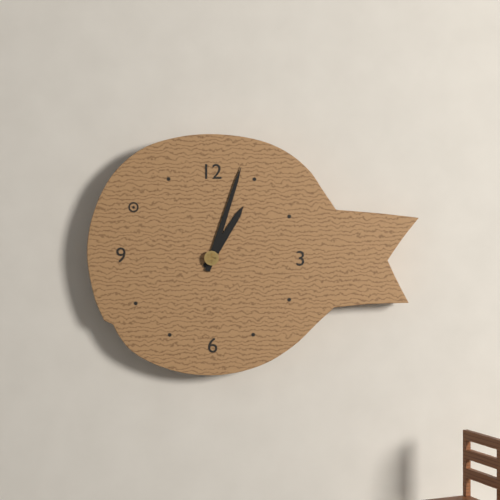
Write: 1:03
